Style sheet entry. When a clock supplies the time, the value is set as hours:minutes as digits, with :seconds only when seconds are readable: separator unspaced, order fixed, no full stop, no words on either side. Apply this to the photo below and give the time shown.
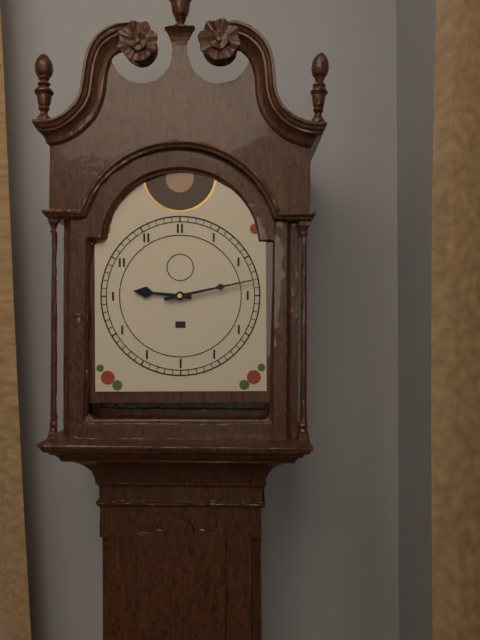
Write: 9:13
